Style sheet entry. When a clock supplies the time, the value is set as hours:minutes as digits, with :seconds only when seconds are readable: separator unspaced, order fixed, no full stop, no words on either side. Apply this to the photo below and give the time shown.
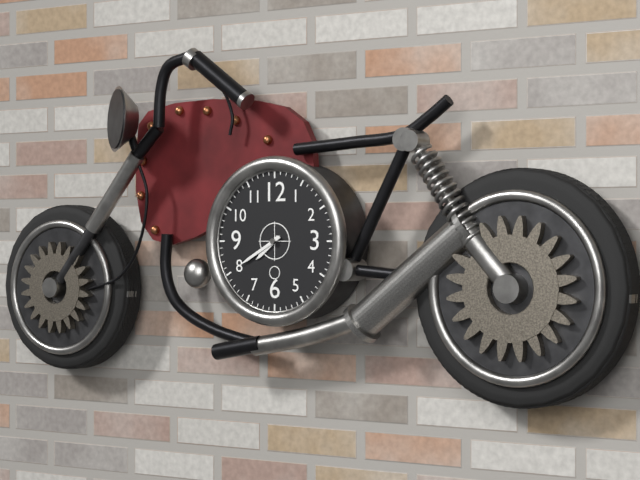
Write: 7:40
